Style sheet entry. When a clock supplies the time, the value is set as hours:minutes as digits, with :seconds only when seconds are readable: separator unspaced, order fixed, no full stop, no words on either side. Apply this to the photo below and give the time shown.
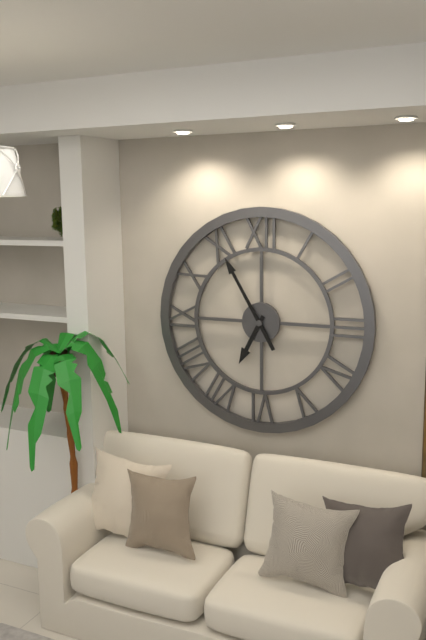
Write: 6:55
